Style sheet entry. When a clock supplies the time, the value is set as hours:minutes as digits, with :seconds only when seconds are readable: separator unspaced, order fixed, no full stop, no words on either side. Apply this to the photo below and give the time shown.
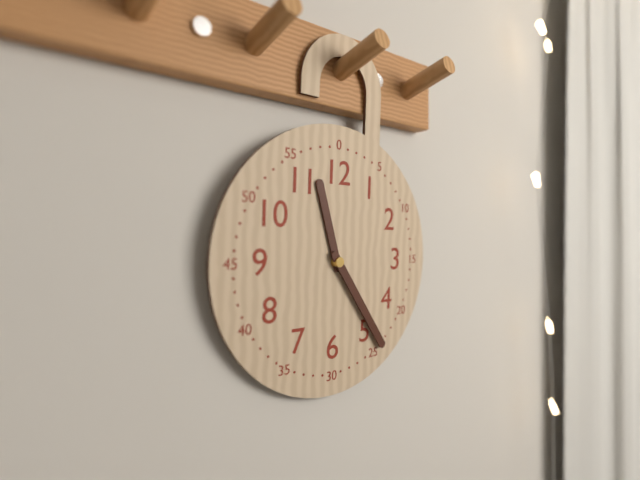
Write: 11:24
